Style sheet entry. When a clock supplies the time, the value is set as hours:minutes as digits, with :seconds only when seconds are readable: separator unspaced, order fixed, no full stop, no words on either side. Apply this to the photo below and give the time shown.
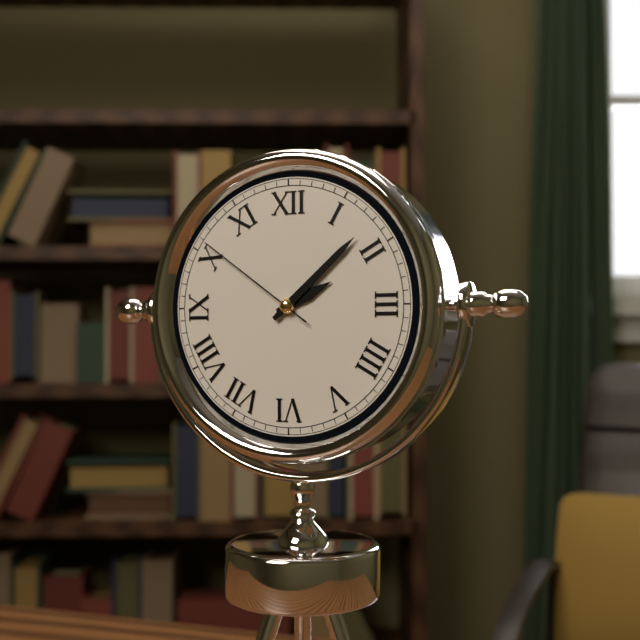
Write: 2:08:51
